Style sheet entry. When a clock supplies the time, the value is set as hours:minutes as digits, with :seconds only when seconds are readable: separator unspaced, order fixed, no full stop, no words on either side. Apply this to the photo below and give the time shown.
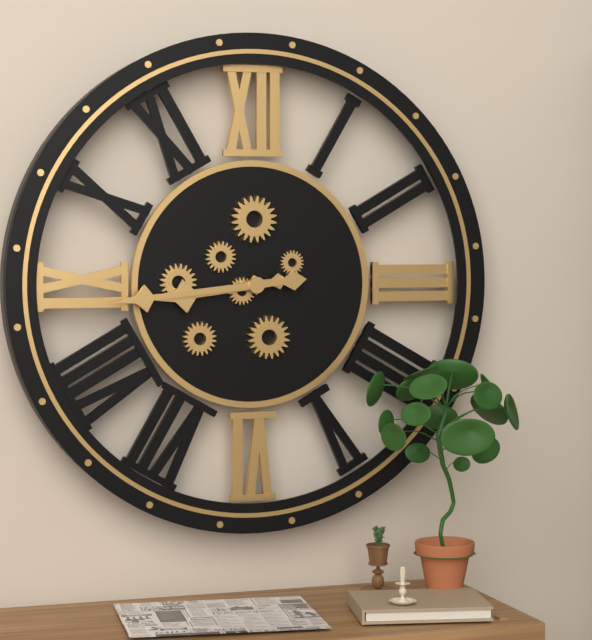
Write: 8:44
